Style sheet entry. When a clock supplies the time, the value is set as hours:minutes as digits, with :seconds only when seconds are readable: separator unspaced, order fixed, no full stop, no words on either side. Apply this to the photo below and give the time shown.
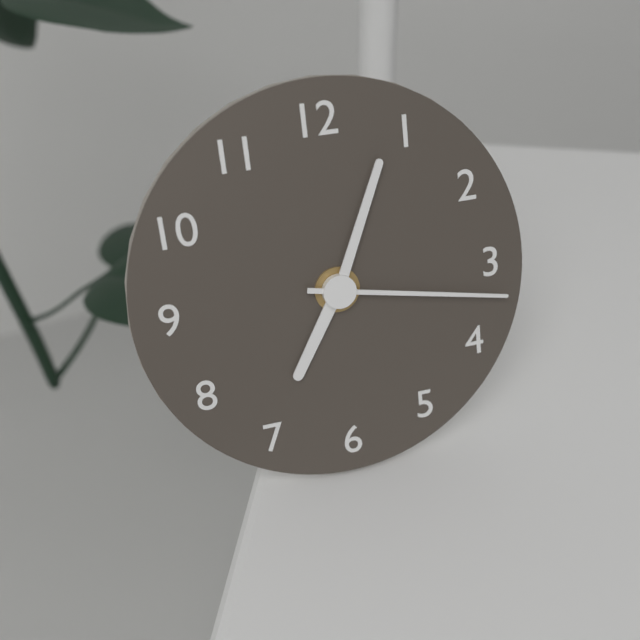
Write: 7:04:17
